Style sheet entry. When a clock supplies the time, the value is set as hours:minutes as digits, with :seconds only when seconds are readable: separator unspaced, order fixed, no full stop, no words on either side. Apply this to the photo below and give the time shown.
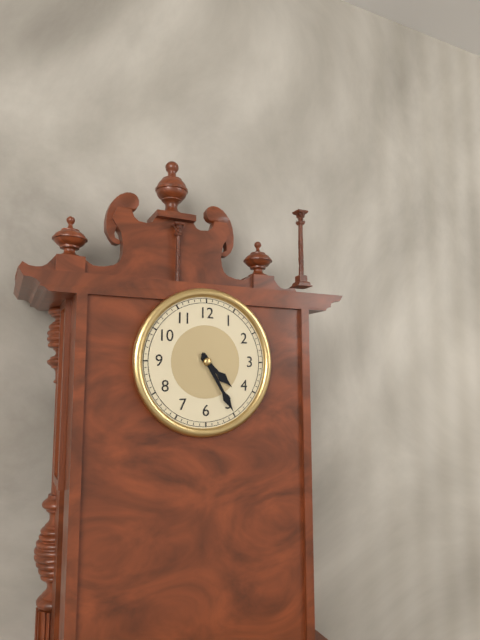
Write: 4:25
